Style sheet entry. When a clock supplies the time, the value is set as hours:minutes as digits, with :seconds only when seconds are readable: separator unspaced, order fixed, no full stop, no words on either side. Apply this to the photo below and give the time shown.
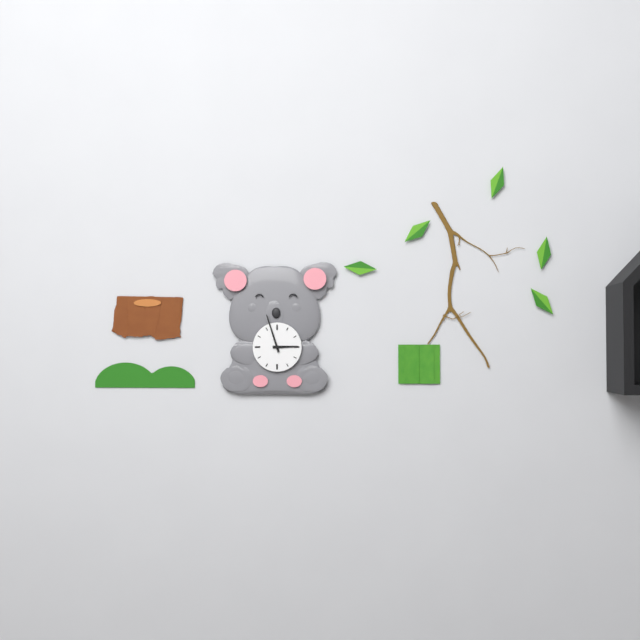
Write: 2:57
